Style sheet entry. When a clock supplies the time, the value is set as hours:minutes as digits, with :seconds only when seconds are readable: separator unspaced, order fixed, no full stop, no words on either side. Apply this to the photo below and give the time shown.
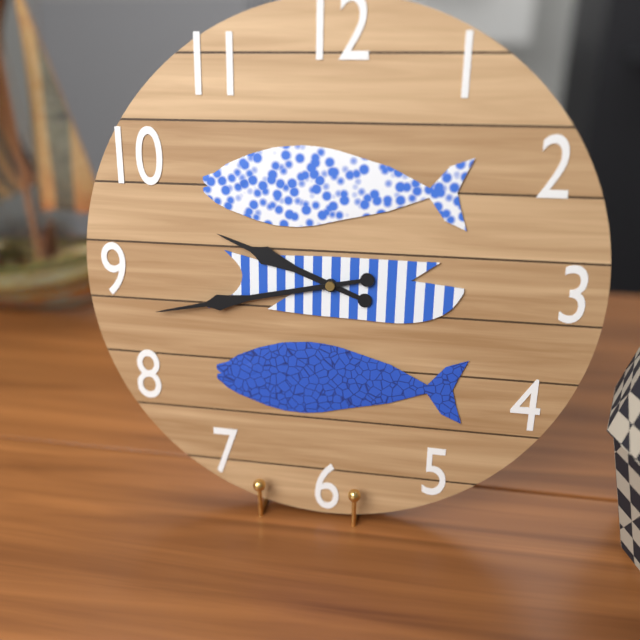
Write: 9:43
